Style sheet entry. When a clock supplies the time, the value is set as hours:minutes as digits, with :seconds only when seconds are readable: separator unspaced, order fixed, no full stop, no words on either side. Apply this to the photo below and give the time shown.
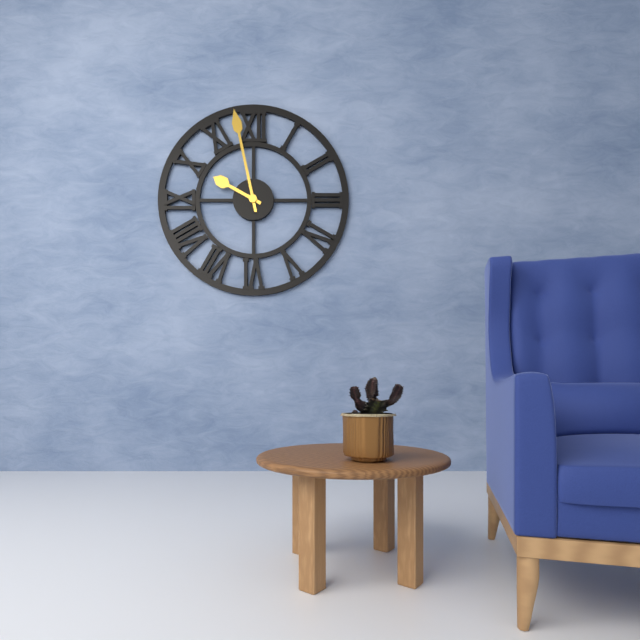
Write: 9:58
